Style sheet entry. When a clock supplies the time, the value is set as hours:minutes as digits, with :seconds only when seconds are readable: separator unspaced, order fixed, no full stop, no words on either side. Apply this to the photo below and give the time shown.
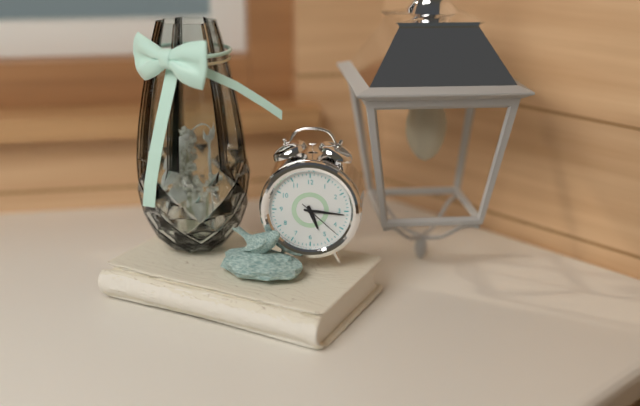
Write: 5:16
